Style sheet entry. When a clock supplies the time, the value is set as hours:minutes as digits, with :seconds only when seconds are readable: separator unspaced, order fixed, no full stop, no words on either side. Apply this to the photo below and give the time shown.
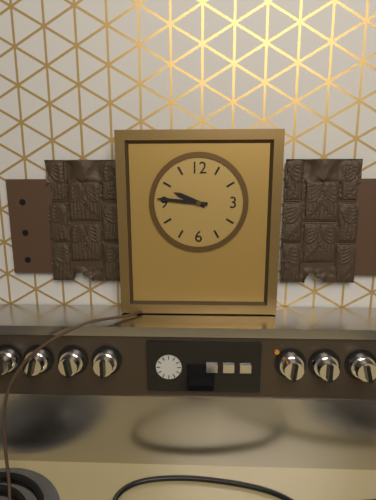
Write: 9:46
